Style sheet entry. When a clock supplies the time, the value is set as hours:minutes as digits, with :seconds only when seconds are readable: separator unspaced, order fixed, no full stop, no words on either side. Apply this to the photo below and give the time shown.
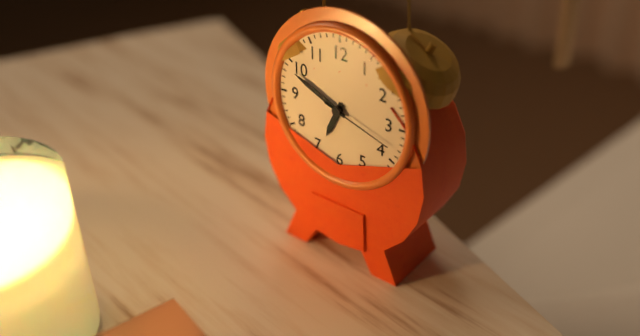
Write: 6:49:18
